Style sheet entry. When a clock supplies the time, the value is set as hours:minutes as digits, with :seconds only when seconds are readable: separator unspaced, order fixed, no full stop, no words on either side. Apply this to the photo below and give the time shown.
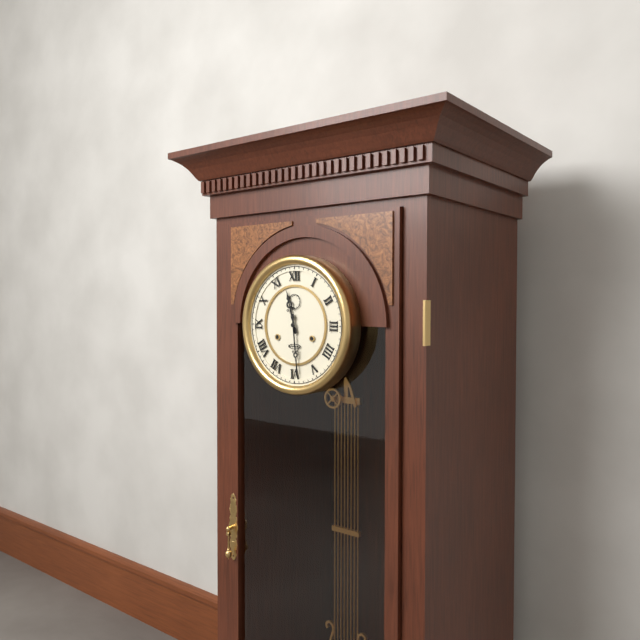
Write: 11:29
